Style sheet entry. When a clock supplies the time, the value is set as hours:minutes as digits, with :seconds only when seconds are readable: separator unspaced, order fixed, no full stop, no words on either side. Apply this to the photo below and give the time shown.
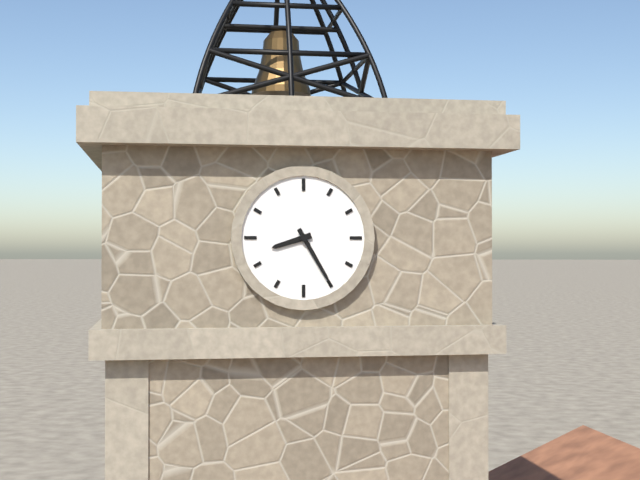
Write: 8:25
